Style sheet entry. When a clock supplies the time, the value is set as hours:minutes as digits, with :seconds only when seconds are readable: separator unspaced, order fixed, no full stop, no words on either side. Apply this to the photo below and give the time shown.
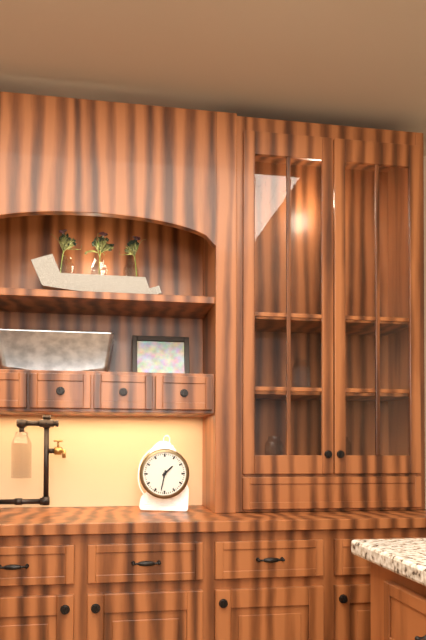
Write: 1:32
